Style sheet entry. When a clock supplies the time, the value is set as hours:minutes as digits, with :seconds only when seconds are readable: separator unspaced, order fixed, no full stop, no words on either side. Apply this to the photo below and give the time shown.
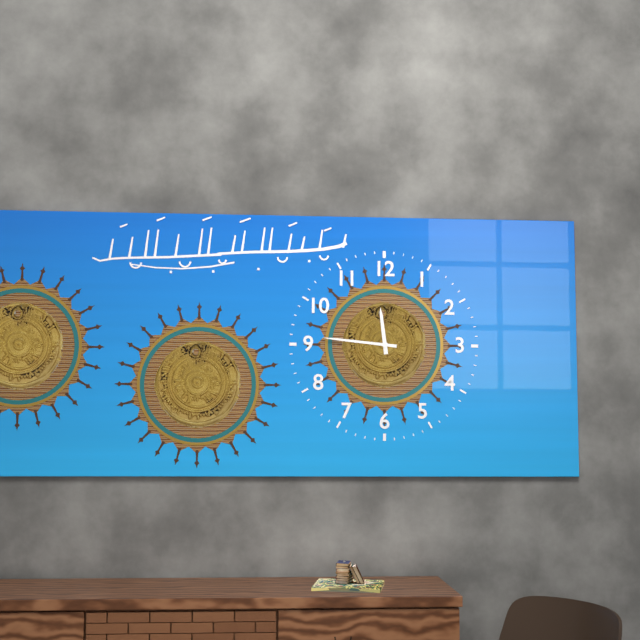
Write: 11:46
